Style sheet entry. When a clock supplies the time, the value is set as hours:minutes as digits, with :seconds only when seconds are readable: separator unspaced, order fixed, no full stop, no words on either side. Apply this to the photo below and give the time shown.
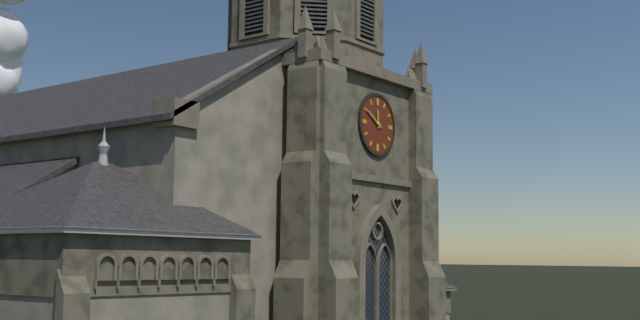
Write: 11:50
